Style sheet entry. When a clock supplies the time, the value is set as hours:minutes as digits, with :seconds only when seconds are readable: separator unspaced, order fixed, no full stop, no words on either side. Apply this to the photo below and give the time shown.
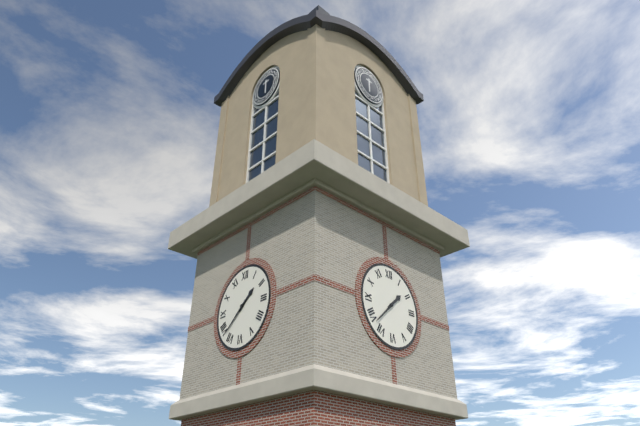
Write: 1:38
